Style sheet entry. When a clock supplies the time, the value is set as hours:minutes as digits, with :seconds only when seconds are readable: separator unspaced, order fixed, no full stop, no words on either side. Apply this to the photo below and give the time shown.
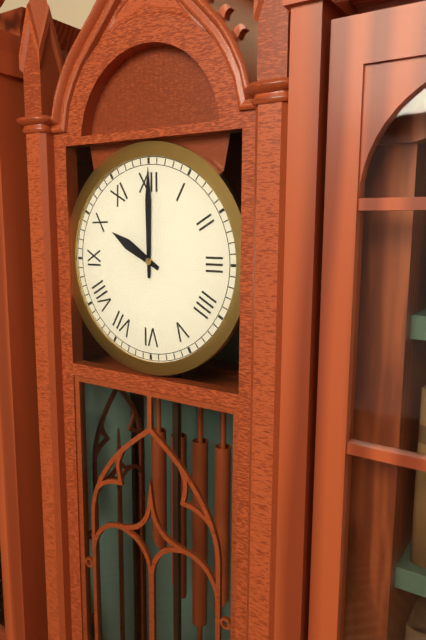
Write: 10:00
